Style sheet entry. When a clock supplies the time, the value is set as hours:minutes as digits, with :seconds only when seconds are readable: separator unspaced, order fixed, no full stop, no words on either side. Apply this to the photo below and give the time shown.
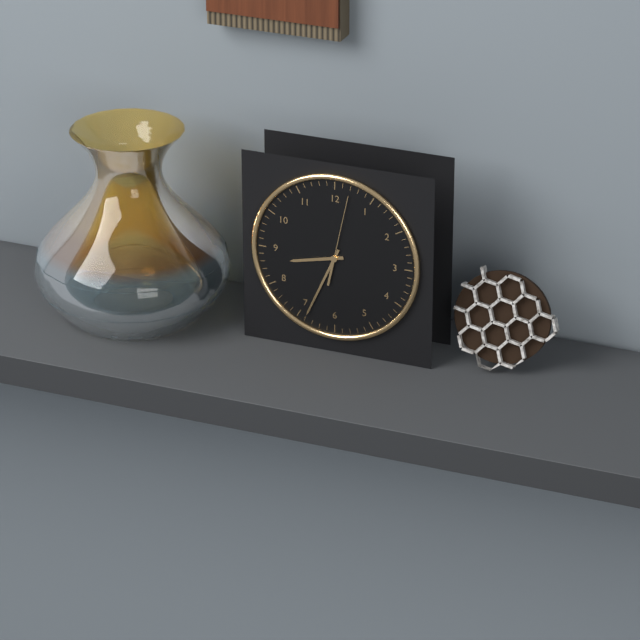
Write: 8:34:02
